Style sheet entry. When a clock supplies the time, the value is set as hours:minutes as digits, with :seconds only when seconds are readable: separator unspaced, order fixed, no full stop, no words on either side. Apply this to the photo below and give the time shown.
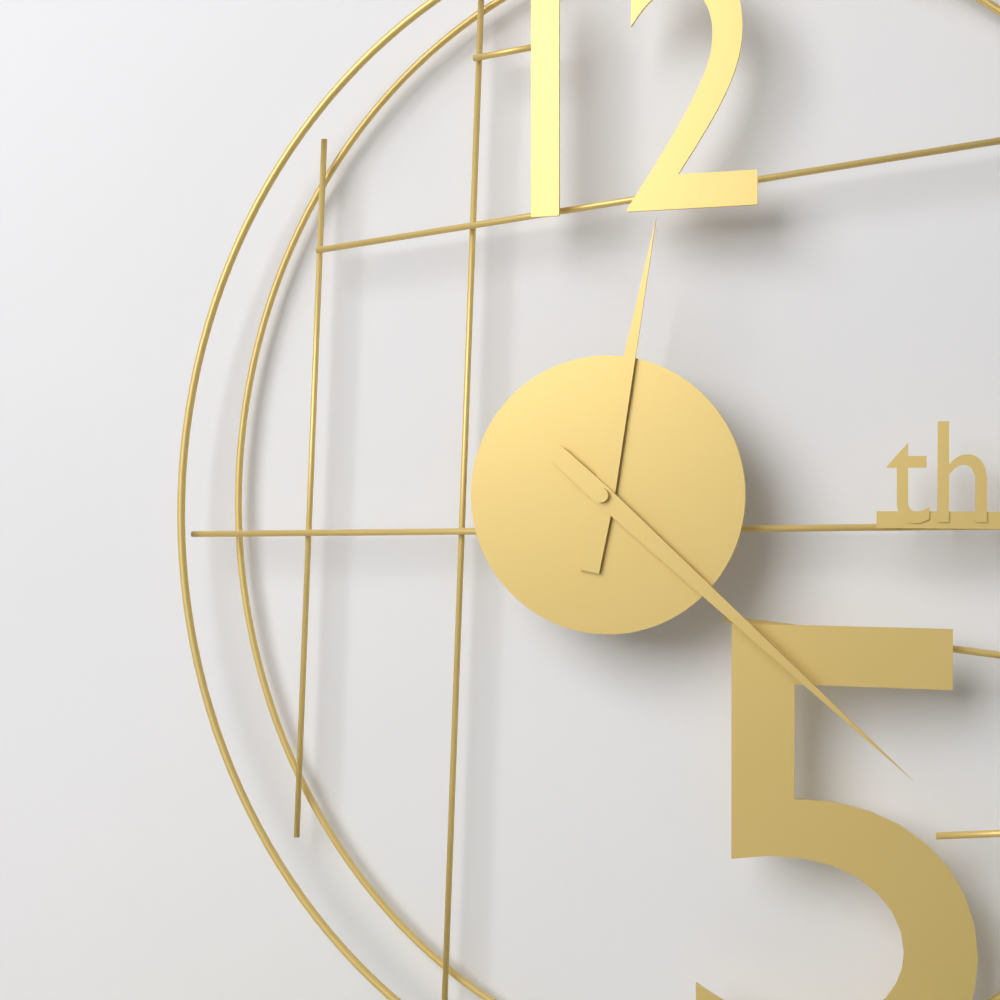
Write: 12:22
